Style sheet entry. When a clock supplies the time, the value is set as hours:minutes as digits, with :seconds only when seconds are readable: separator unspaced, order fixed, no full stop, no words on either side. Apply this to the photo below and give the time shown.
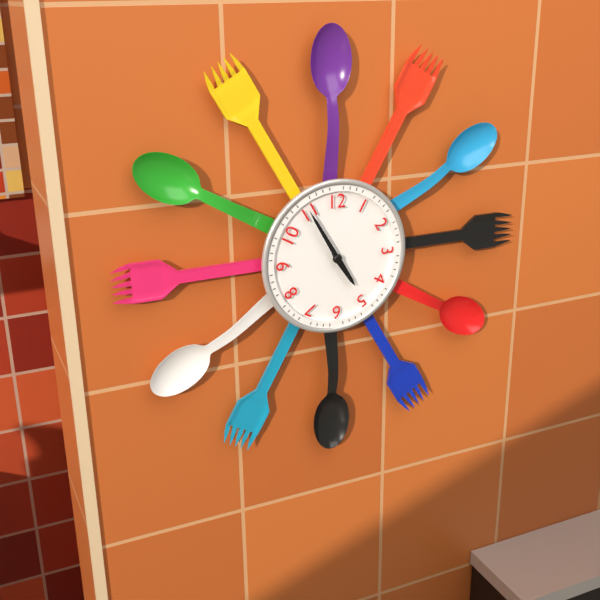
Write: 4:55
